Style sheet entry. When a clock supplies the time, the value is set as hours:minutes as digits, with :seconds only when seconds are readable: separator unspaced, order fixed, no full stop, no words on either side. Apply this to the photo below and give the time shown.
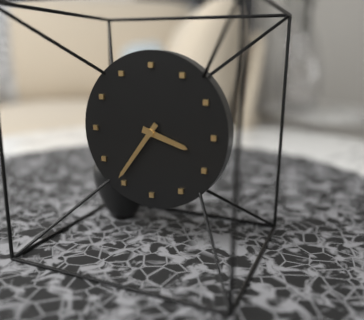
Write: 3:36
